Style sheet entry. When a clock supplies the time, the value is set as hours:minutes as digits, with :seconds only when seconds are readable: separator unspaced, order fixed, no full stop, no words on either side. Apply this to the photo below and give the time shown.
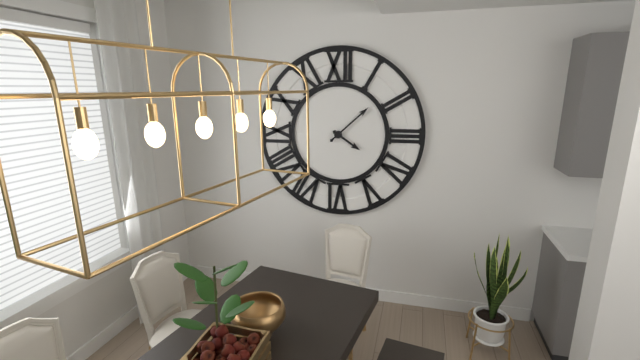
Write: 4:08
